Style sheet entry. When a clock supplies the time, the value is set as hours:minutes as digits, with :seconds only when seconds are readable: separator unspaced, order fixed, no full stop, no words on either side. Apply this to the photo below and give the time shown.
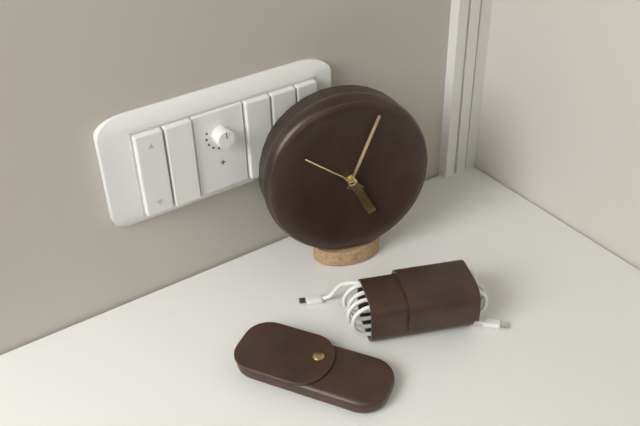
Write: 5:04:51
